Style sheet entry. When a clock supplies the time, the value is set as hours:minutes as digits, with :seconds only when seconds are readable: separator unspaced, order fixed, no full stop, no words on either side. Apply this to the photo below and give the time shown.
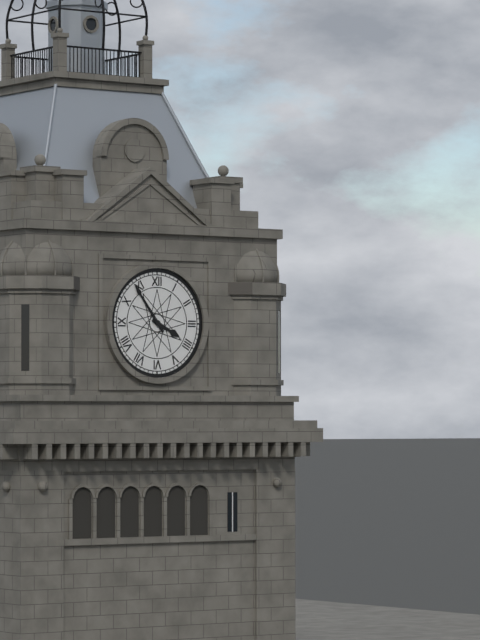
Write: 3:54
